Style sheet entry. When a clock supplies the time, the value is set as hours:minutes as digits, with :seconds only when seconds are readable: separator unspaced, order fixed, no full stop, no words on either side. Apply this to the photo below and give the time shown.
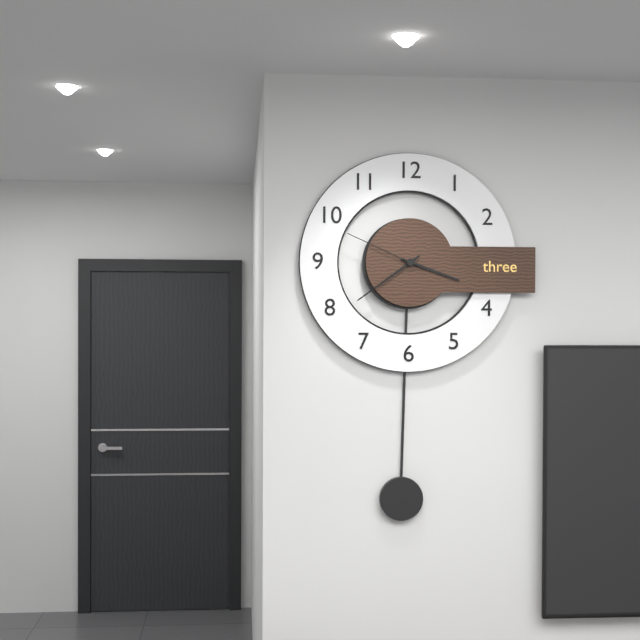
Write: 3:39:49
